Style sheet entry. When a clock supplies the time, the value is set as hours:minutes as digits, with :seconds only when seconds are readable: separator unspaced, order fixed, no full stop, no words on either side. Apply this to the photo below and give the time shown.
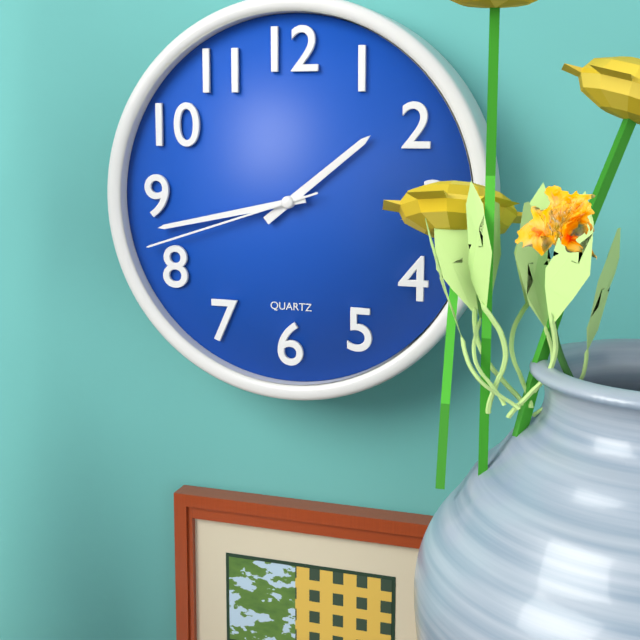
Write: 1:43:42
